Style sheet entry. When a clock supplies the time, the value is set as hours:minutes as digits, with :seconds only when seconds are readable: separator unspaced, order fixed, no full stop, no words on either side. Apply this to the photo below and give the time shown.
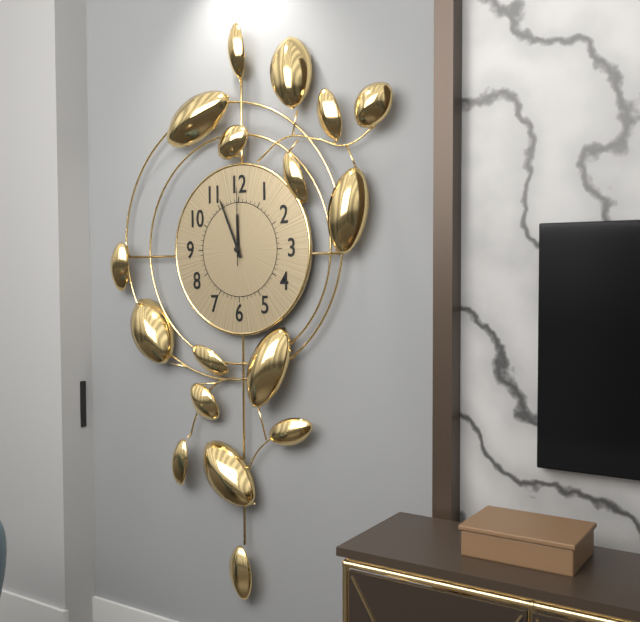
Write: 11:56:00
